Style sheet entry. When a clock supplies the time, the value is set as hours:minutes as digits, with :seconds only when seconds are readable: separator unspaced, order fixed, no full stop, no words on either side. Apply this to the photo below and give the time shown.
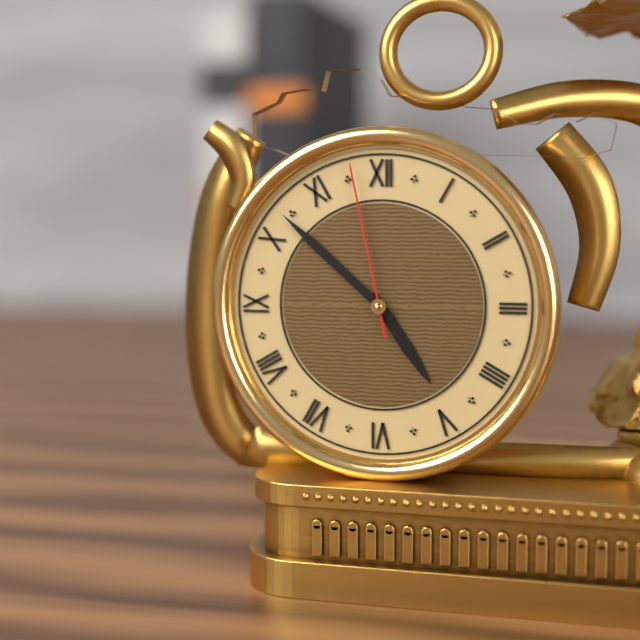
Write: 4:52:58
